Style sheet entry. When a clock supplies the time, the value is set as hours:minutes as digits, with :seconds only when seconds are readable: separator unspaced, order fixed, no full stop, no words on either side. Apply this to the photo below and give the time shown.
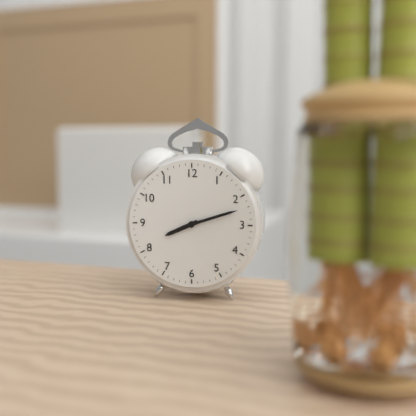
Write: 8:12
